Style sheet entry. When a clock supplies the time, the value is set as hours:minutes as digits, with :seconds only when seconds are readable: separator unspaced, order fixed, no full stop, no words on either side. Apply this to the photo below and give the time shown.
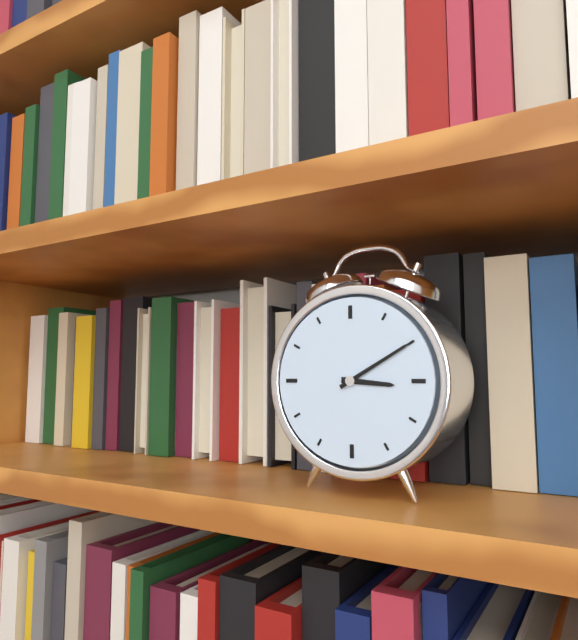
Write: 3:10
